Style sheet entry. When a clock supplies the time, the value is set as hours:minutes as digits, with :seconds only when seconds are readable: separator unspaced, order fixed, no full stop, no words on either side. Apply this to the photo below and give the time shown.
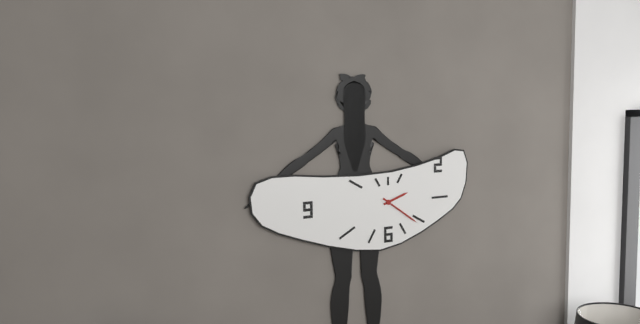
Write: 2:21
